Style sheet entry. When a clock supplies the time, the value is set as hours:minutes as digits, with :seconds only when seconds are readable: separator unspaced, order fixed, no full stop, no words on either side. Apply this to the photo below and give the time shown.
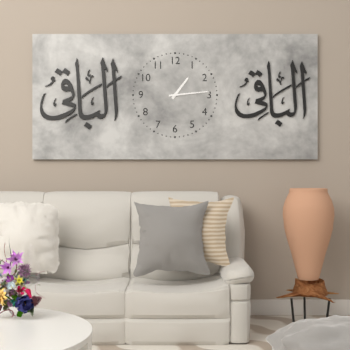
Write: 1:14
